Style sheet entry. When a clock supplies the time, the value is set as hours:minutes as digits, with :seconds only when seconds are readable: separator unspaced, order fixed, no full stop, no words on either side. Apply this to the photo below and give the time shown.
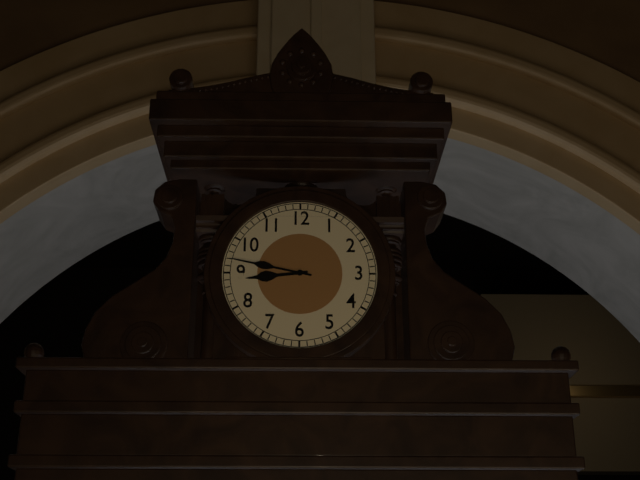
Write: 8:47
